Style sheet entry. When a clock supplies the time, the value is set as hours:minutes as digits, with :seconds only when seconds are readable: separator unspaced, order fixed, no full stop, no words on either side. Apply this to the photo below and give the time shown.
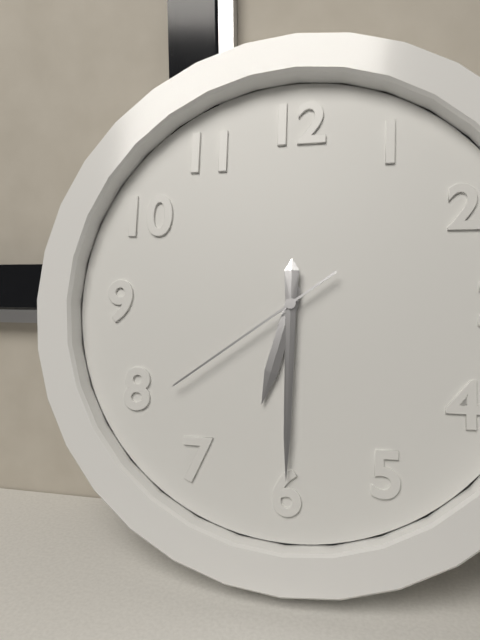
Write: 6:30:39
